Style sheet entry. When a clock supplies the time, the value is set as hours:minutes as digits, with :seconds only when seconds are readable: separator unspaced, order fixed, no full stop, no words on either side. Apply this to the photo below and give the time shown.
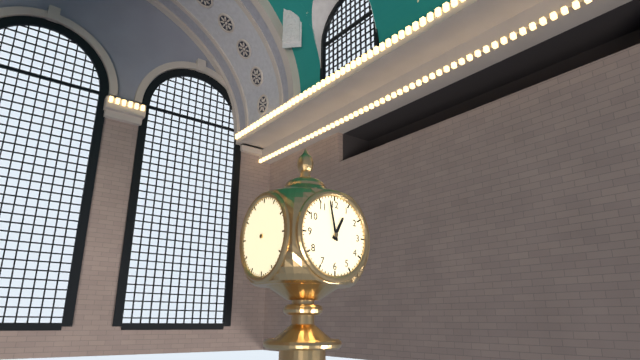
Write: 12:58
